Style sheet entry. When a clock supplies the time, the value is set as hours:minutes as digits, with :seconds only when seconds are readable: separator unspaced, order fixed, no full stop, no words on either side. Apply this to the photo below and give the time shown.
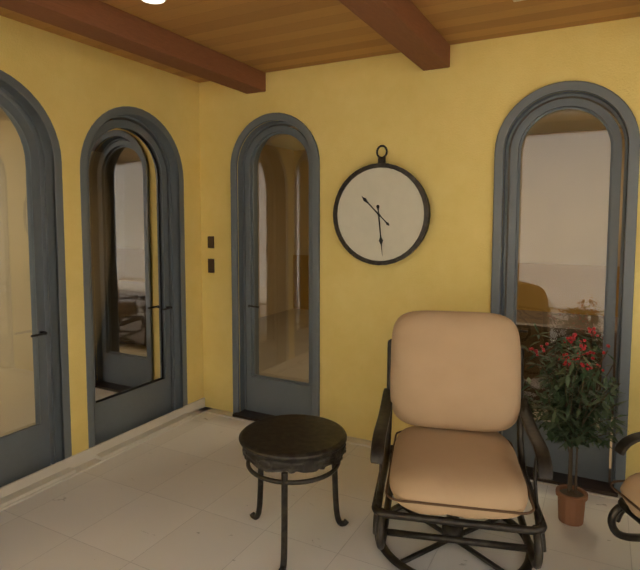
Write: 10:29
